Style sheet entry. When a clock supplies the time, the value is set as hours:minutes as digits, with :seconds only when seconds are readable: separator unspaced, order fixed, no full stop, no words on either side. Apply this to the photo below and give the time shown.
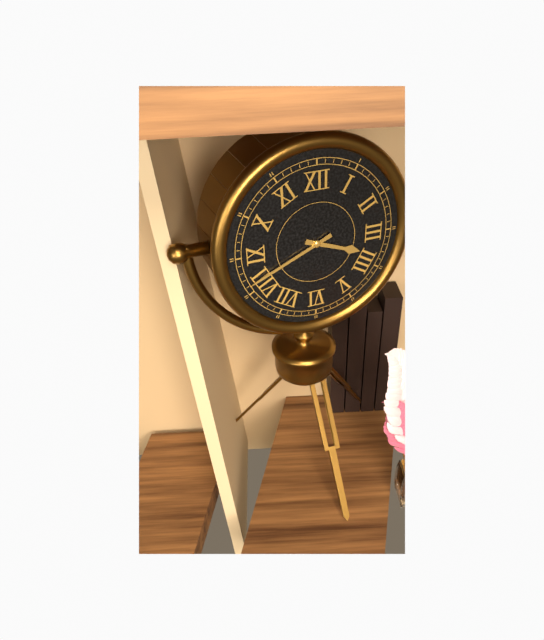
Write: 3:41
